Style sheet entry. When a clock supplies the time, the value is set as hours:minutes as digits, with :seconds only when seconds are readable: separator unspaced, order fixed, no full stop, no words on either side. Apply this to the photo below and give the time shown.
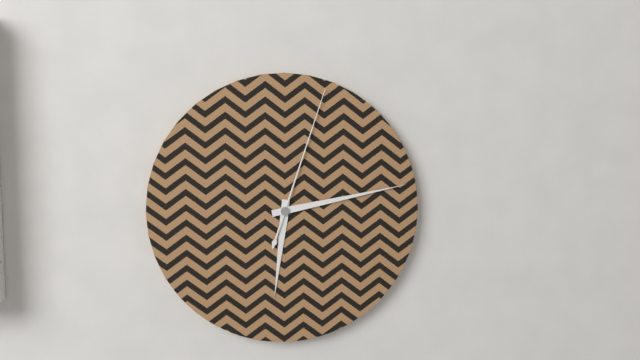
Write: 6:13:03
